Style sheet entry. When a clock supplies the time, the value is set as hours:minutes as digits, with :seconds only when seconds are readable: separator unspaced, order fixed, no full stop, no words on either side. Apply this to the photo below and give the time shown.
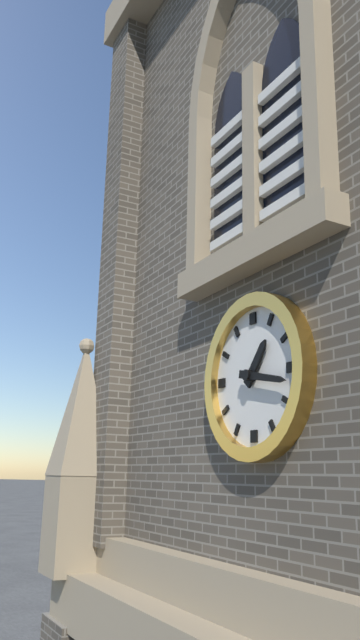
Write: 1:17
